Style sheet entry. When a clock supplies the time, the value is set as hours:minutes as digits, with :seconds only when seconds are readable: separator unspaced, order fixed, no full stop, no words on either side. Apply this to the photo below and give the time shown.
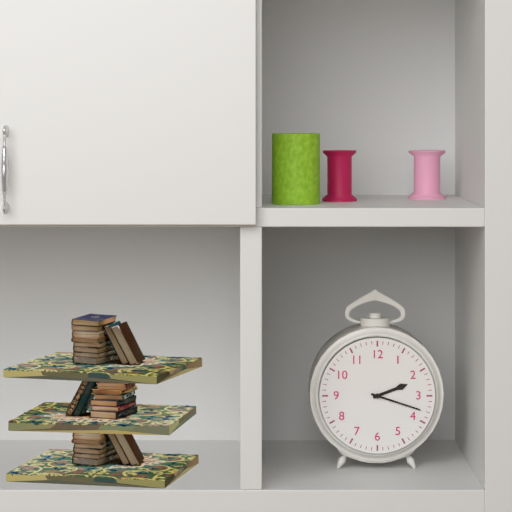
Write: 2:18
